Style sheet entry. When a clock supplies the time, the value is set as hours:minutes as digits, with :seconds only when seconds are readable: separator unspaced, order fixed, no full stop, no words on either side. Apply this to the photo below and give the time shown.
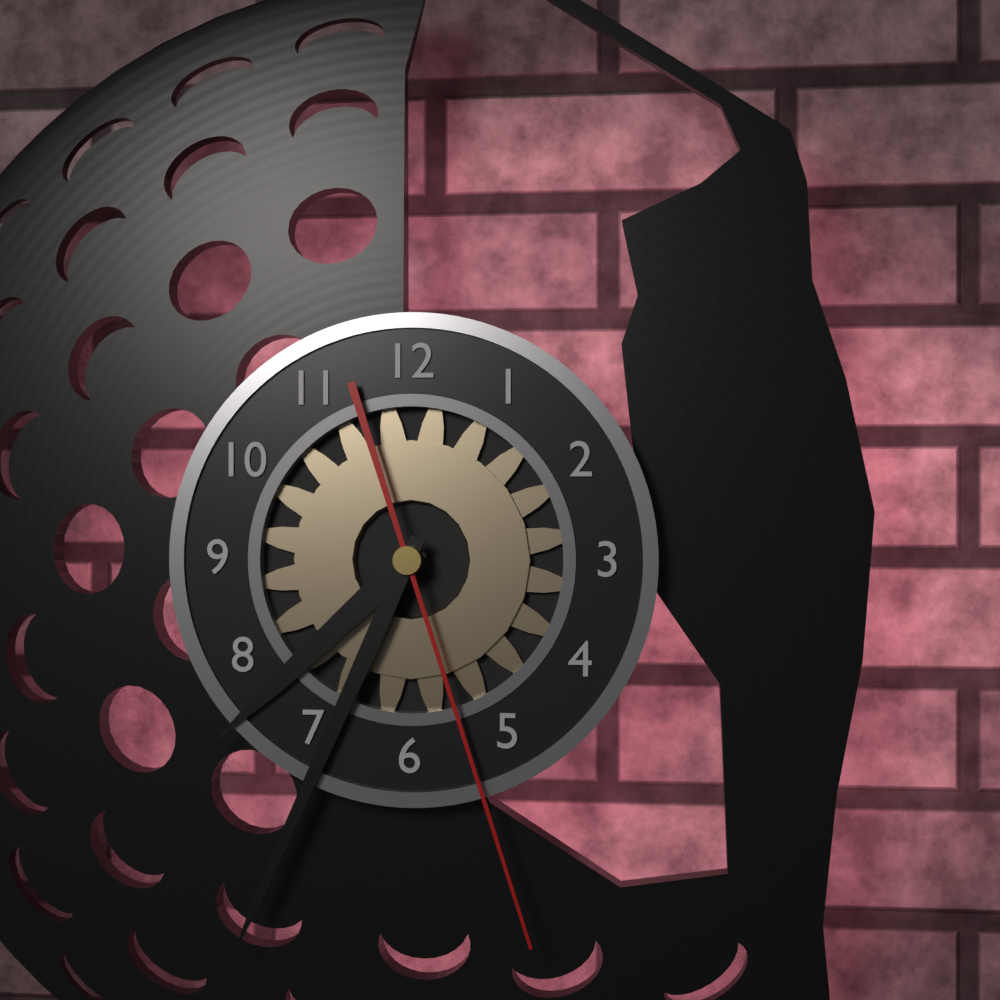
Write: 7:34:27
